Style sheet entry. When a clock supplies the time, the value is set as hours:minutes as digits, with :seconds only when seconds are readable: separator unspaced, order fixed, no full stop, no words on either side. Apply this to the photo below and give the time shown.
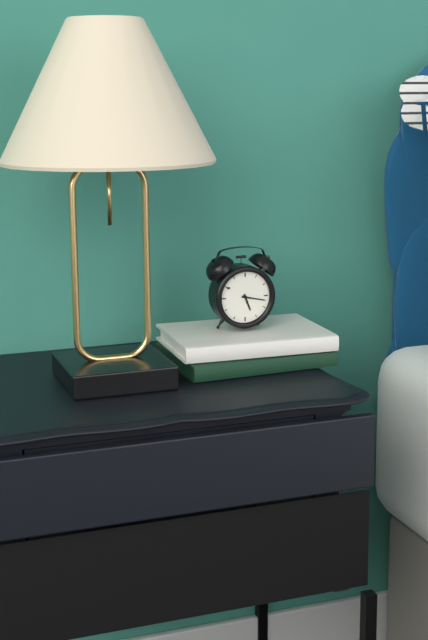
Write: 5:17
